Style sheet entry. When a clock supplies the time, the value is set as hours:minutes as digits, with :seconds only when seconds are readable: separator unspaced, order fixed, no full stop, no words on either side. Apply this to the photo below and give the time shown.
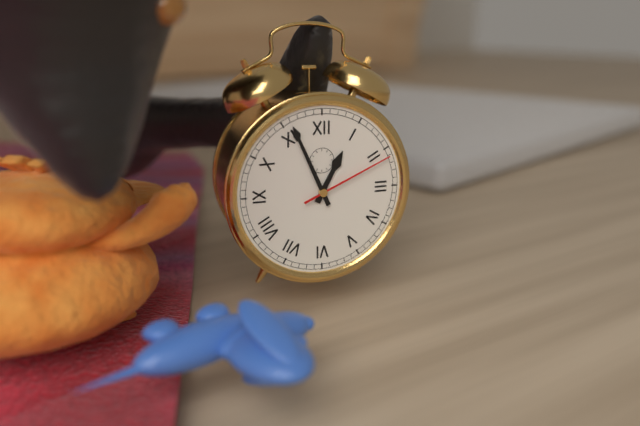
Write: 12:56:11
